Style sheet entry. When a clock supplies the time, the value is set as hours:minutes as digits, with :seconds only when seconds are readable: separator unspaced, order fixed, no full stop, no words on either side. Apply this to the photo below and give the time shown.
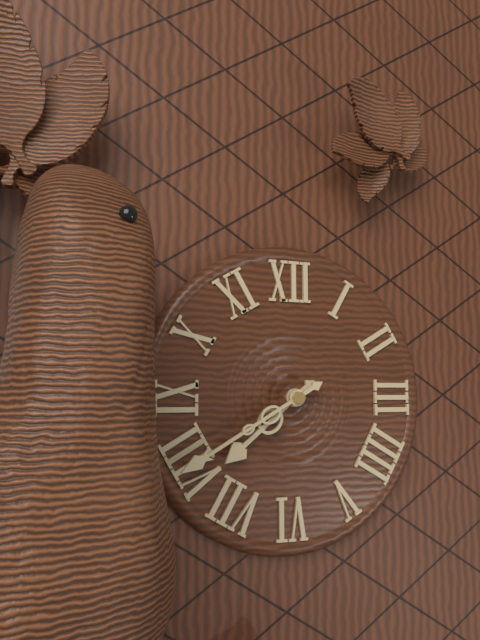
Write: 7:40
